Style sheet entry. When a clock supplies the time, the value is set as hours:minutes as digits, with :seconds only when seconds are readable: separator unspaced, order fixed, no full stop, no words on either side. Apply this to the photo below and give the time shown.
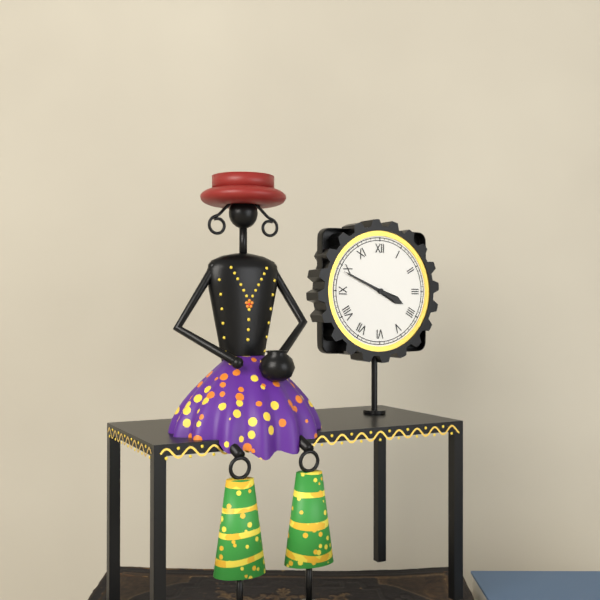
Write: 3:49
